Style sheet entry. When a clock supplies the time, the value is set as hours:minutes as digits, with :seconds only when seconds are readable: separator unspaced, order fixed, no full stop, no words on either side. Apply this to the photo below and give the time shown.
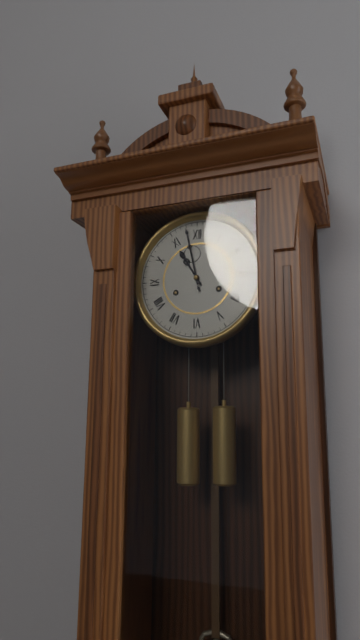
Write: 10:58
